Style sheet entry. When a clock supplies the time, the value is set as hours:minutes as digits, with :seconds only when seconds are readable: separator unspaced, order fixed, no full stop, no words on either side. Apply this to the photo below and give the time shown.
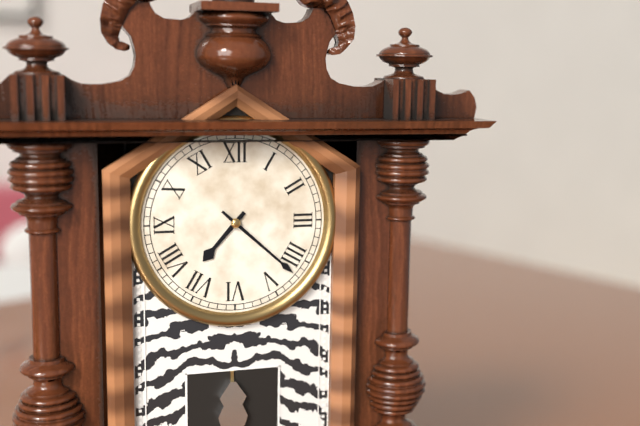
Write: 7:22
